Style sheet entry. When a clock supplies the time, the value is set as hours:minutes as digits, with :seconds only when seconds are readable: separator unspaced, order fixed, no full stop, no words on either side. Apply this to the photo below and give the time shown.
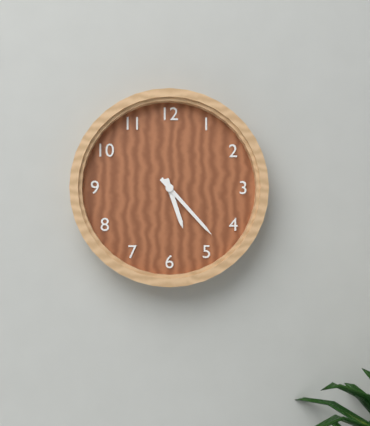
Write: 5:23
